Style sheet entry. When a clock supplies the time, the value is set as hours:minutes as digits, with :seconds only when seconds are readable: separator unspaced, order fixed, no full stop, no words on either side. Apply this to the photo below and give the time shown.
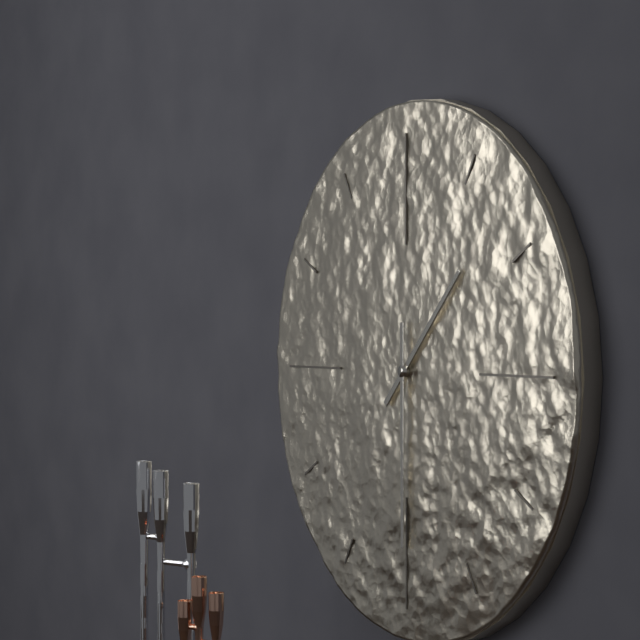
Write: 1:30
